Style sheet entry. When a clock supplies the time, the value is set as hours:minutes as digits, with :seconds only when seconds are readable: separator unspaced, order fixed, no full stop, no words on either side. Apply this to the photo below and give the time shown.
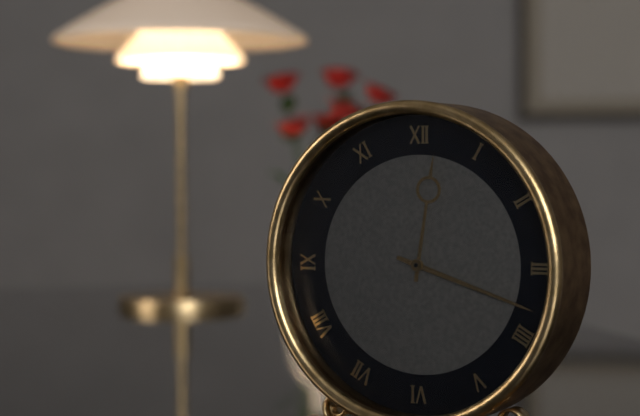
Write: 12:18
